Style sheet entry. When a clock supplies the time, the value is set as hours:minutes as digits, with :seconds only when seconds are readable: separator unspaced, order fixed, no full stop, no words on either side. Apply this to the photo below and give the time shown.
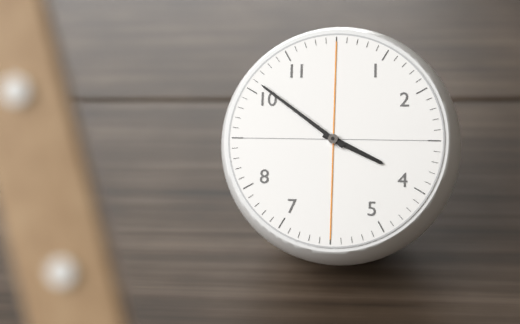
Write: 3:51
